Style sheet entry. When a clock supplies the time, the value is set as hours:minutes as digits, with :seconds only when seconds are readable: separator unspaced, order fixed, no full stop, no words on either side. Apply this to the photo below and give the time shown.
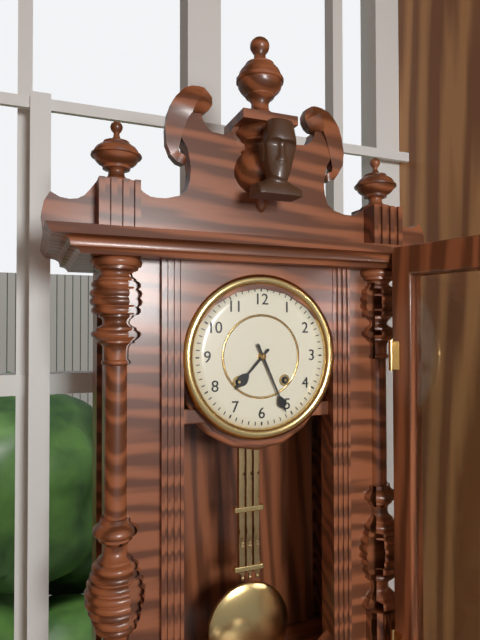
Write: 7:26
